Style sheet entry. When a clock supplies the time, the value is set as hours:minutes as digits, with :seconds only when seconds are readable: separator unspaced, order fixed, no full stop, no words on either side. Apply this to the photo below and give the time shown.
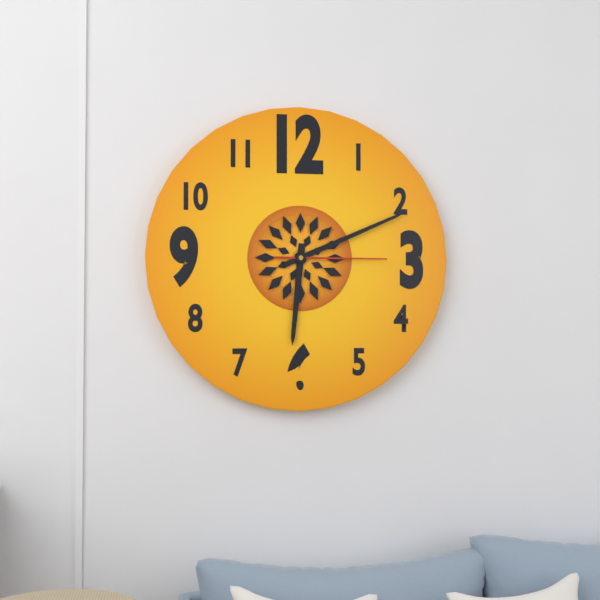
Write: 6:11:15
